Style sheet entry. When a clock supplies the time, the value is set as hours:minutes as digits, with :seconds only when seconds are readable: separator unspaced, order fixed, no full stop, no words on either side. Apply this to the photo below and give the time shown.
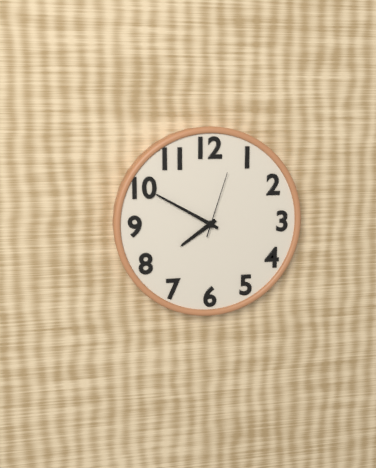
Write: 7:50:03
